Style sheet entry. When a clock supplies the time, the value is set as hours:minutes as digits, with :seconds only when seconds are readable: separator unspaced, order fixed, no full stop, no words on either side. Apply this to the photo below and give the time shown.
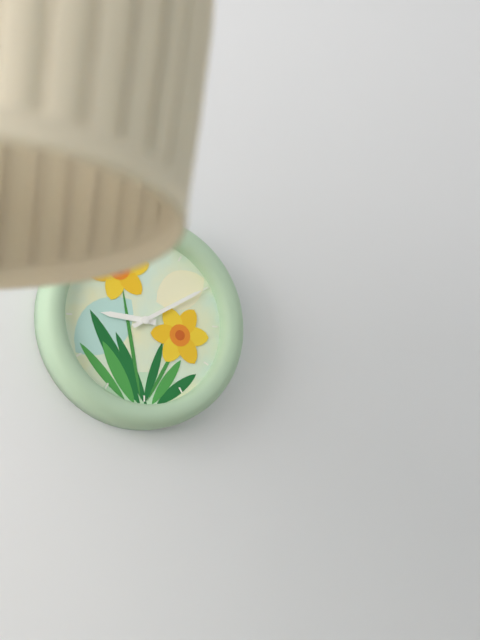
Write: 9:10
